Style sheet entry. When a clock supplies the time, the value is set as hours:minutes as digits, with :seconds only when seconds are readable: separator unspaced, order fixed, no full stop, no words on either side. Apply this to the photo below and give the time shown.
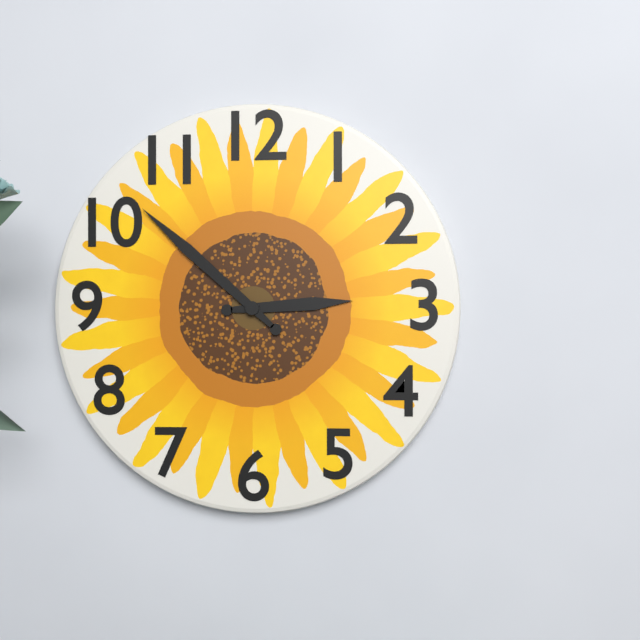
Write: 2:52
